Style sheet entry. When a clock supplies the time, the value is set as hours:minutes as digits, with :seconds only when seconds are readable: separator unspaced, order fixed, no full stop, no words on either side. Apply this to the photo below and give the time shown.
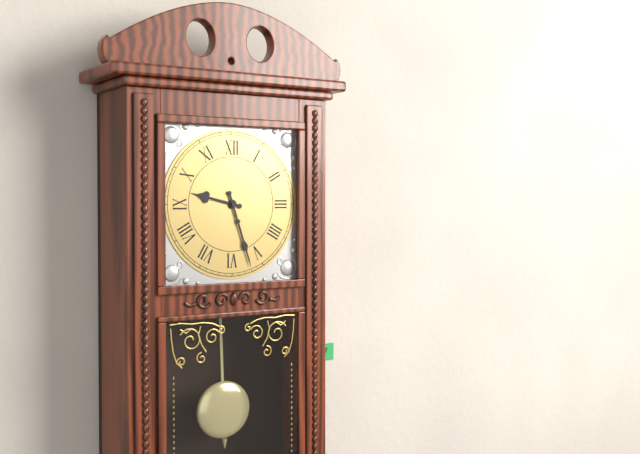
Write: 9:27
